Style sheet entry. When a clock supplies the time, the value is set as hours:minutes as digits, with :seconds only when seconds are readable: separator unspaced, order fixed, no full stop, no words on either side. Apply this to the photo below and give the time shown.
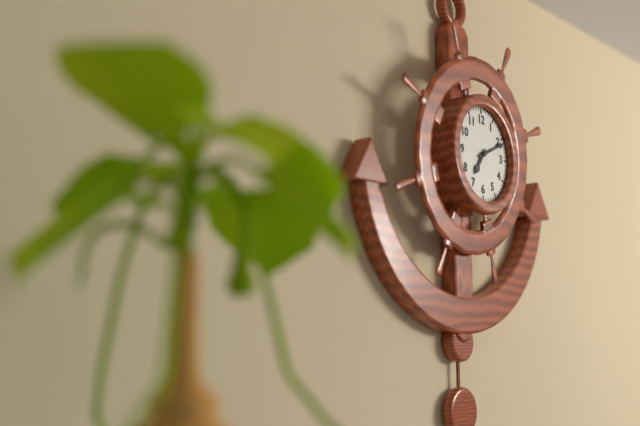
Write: 7:11
